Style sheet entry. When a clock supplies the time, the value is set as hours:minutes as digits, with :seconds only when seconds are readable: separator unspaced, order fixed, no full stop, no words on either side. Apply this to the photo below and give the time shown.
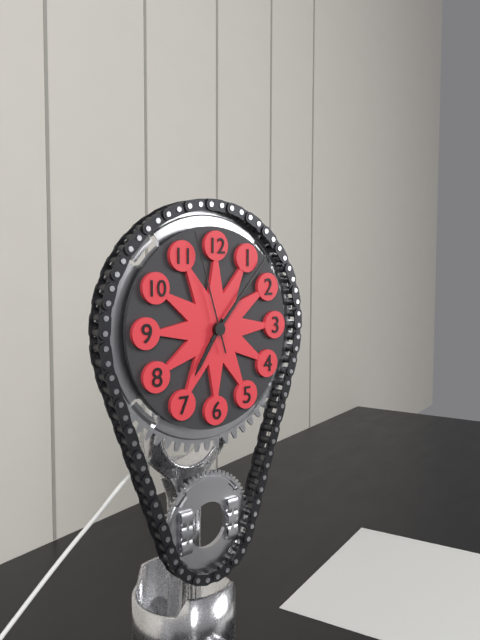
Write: 7:07:57
